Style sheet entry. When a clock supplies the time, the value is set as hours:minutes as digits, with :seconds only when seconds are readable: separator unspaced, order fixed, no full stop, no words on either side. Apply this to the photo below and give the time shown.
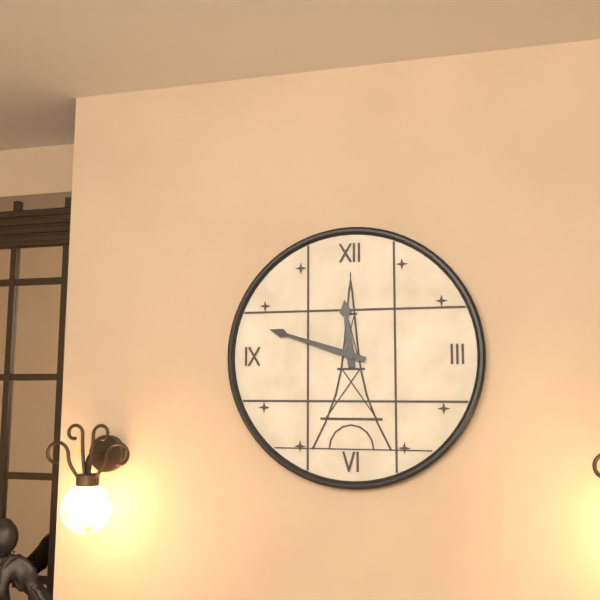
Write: 11:48
